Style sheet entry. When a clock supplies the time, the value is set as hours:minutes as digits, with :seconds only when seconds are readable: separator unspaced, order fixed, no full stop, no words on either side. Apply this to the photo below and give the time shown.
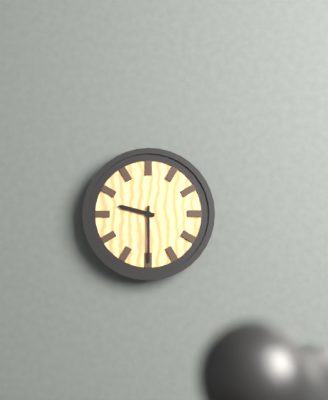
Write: 9:30
